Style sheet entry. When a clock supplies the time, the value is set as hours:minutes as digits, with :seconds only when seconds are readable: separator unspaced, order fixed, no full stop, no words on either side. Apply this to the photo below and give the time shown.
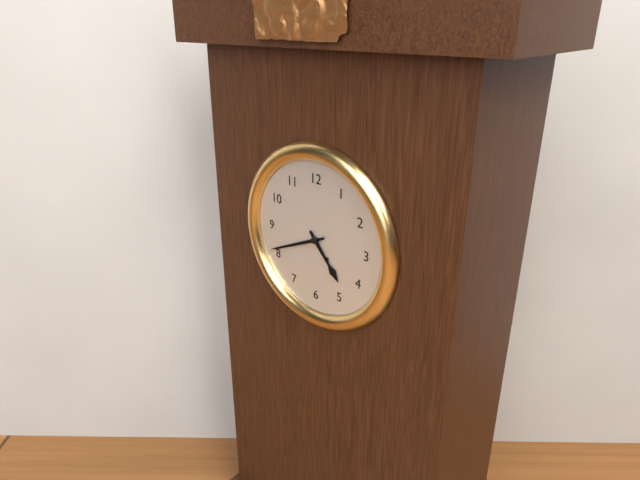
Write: 4:41
